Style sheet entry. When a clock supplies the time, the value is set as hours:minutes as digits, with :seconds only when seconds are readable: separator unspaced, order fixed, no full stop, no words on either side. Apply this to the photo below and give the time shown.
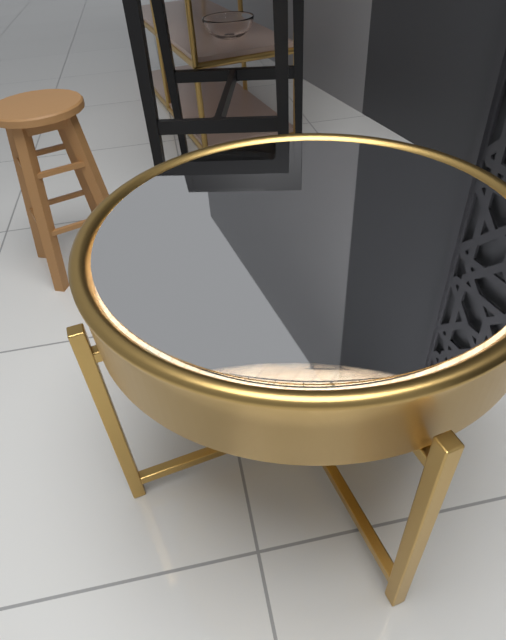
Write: 9:17
